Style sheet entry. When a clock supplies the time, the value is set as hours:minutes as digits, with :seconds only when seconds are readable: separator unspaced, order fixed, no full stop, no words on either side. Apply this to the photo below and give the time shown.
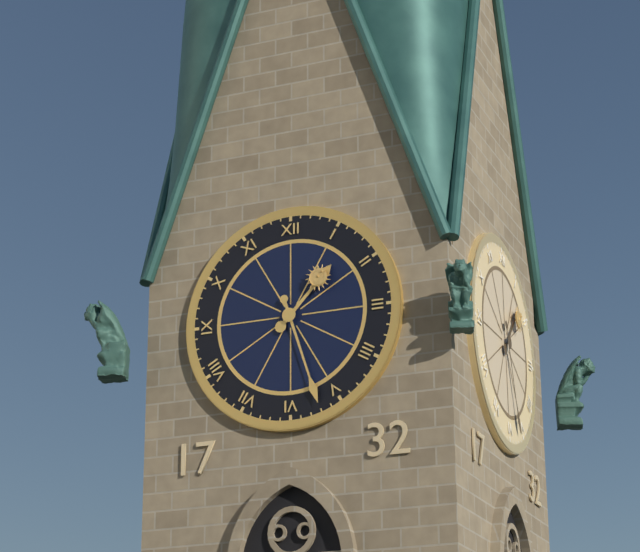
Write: 1:27
